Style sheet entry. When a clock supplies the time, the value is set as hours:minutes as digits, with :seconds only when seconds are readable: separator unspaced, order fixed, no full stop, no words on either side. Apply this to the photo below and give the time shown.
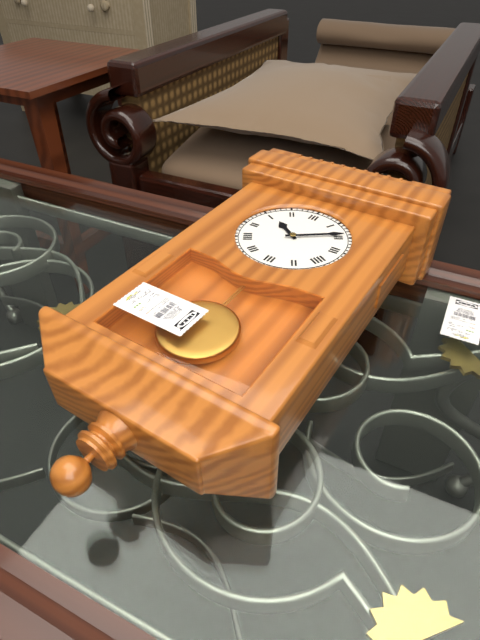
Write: 10:09
